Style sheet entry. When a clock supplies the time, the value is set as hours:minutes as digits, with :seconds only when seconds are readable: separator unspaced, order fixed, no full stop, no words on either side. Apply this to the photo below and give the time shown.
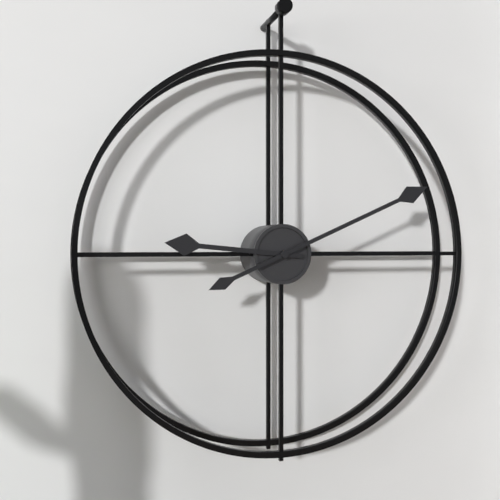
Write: 9:11
